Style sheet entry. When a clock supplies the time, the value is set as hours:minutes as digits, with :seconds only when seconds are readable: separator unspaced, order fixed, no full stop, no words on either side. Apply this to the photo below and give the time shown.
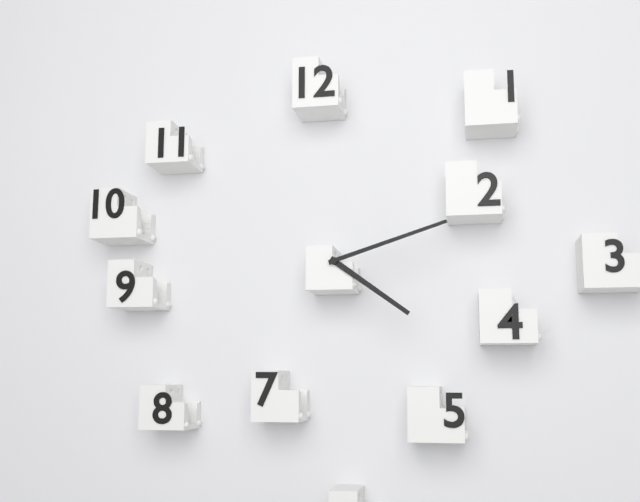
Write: 4:12
